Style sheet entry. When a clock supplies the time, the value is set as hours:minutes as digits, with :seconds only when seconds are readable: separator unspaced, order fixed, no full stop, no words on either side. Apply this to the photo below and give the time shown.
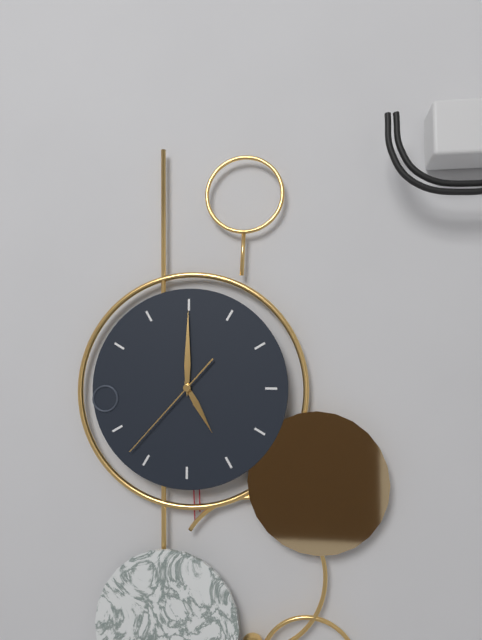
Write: 5:00:37
